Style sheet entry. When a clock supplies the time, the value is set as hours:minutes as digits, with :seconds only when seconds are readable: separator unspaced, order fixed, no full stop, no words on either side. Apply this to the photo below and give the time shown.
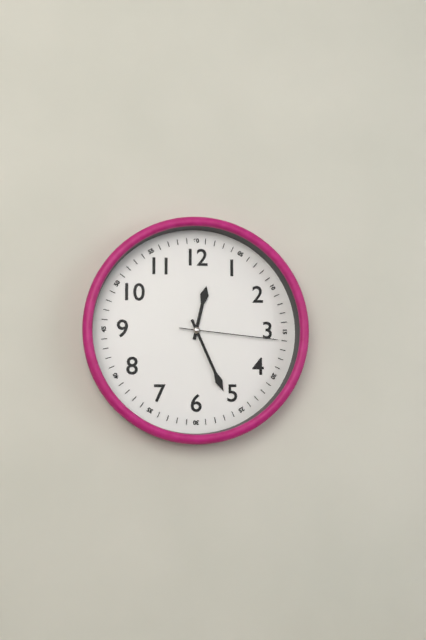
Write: 12:26:16
